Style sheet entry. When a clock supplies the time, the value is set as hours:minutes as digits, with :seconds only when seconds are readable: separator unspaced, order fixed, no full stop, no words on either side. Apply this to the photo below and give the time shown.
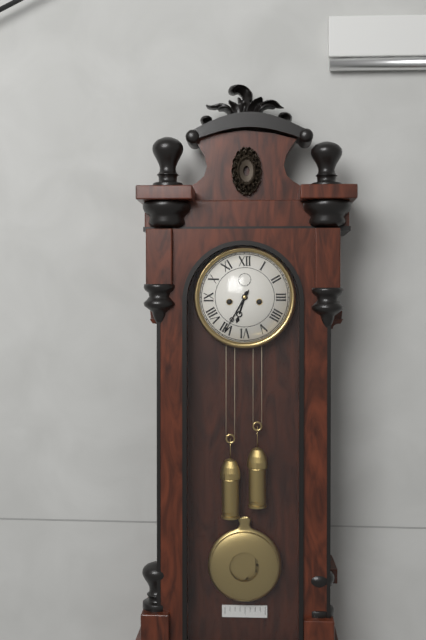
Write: 6:35
